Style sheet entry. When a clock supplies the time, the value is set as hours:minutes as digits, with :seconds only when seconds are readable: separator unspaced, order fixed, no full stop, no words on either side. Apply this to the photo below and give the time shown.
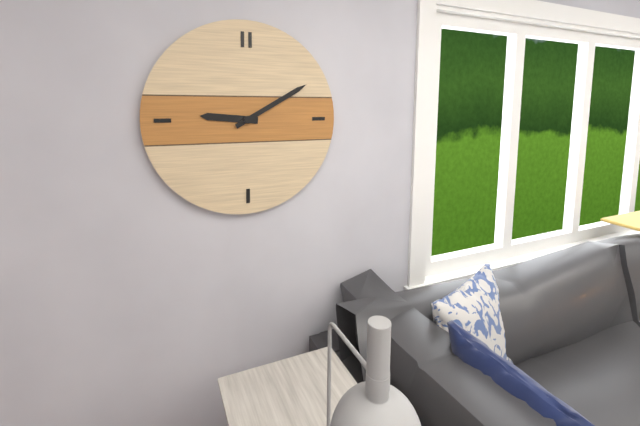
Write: 9:10
